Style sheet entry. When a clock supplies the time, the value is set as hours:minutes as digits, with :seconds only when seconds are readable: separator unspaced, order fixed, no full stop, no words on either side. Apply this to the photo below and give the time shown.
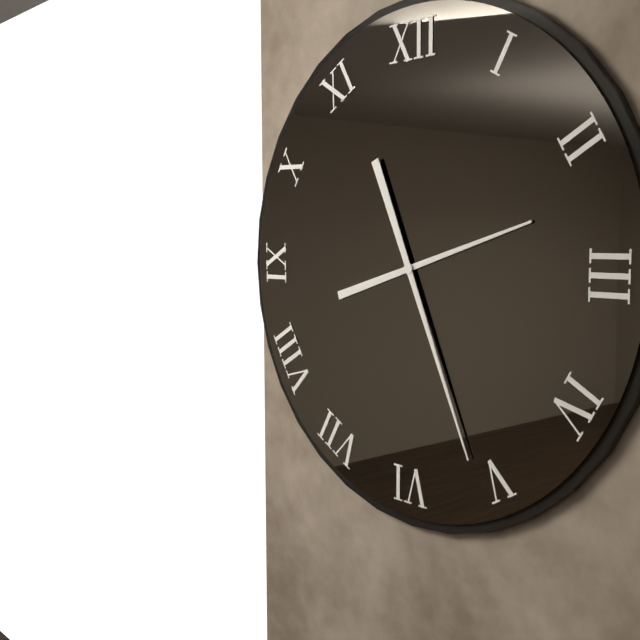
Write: 2:26
